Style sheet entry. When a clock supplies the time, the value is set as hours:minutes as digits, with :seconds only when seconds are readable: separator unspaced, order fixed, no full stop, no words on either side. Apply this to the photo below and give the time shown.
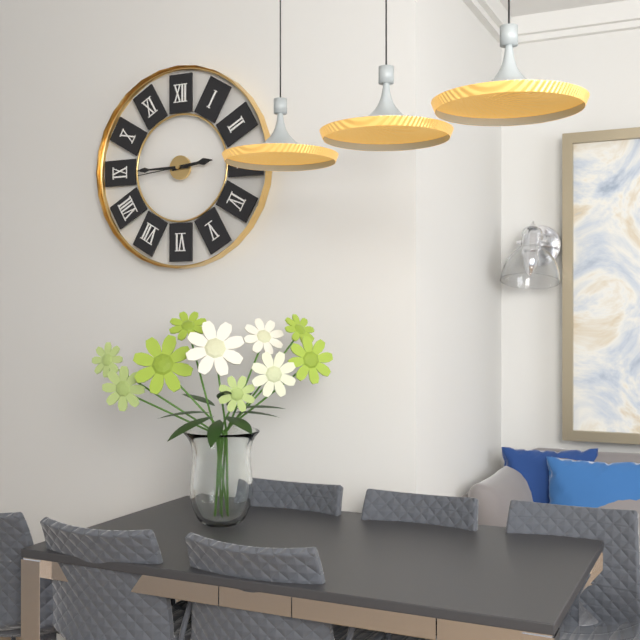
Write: 2:45:44
